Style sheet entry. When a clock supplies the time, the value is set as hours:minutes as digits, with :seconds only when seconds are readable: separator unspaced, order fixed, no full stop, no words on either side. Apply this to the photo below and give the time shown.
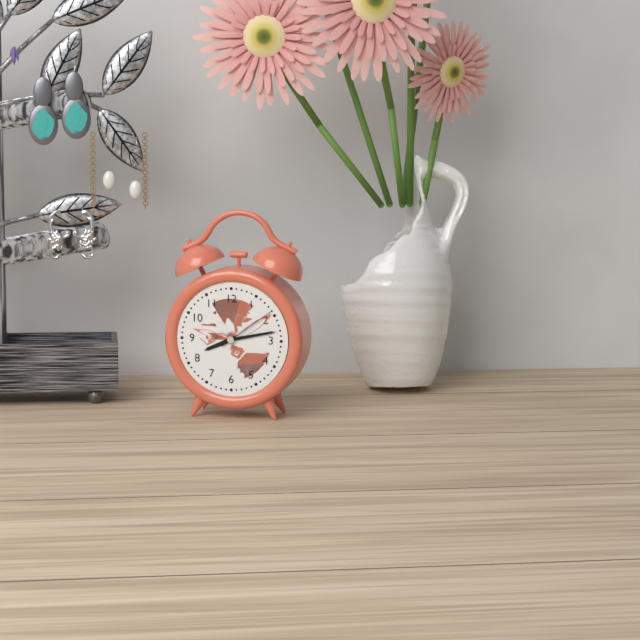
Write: 8:13:09
